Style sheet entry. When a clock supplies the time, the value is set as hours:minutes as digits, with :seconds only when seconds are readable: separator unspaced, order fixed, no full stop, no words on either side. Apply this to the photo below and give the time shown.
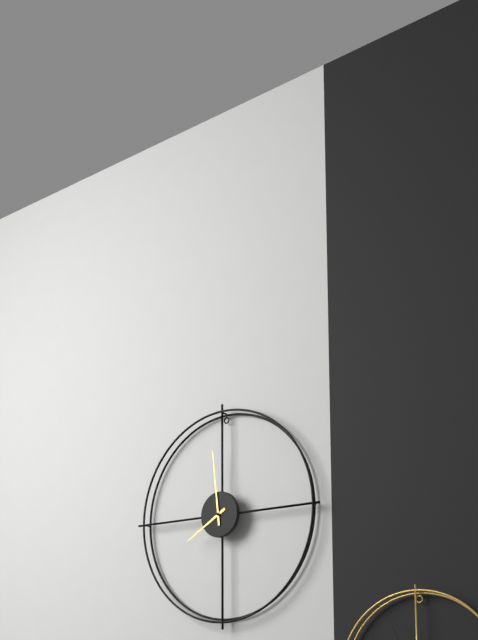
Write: 7:59
